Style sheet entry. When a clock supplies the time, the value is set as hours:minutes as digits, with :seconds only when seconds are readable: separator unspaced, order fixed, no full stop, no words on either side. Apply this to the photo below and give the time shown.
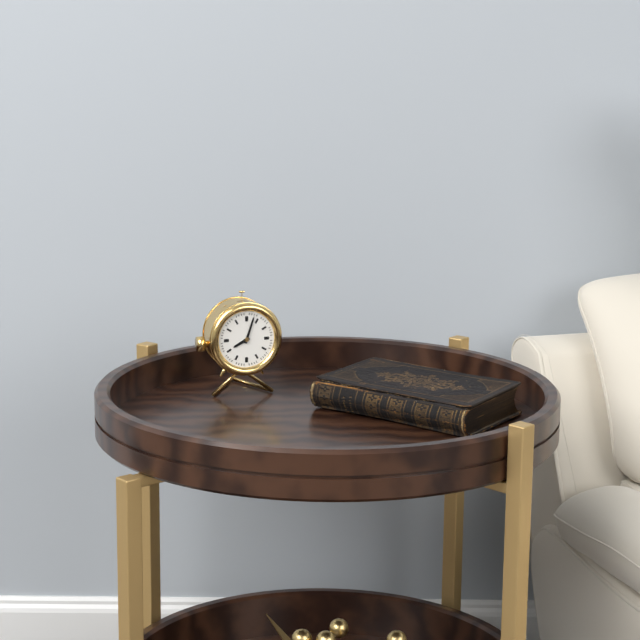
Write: 8:03
